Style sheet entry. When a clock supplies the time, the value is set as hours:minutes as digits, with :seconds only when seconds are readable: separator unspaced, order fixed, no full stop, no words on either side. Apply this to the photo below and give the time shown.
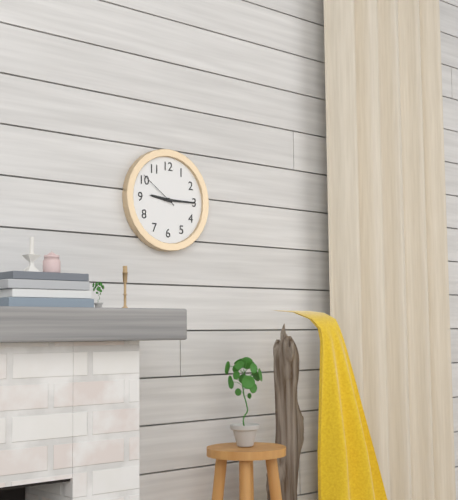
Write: 9:15
